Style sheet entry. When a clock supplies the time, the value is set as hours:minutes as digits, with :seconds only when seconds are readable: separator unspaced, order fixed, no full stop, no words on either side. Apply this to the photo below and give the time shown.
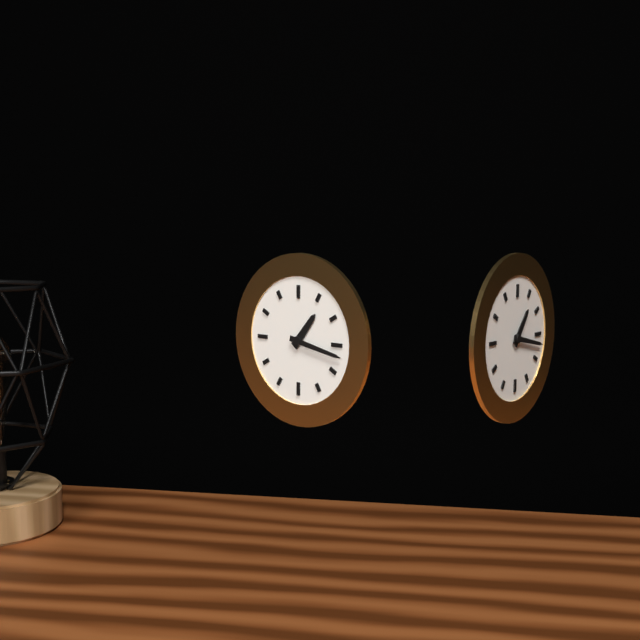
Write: 1:17
